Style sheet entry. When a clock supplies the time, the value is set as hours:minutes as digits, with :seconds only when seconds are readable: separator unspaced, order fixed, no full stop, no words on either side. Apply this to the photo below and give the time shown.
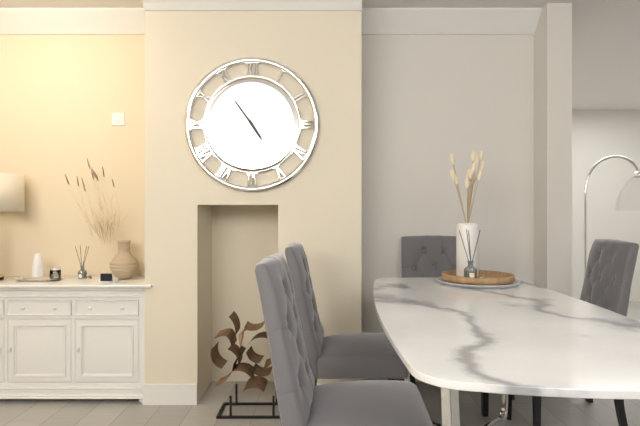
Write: 4:54
